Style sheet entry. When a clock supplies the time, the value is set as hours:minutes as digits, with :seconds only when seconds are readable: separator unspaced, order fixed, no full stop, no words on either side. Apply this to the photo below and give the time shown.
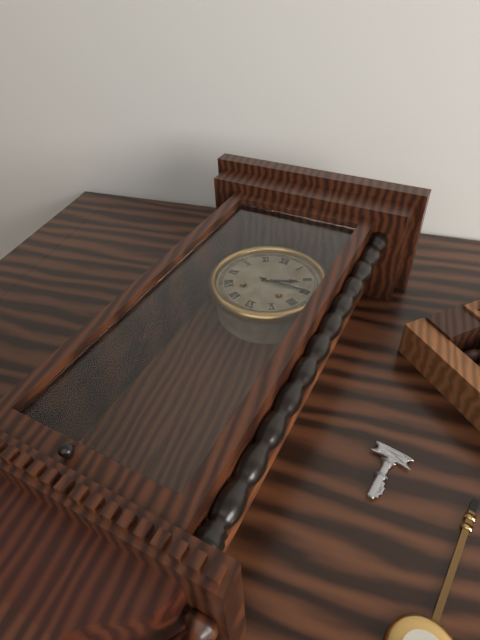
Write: 2:15
